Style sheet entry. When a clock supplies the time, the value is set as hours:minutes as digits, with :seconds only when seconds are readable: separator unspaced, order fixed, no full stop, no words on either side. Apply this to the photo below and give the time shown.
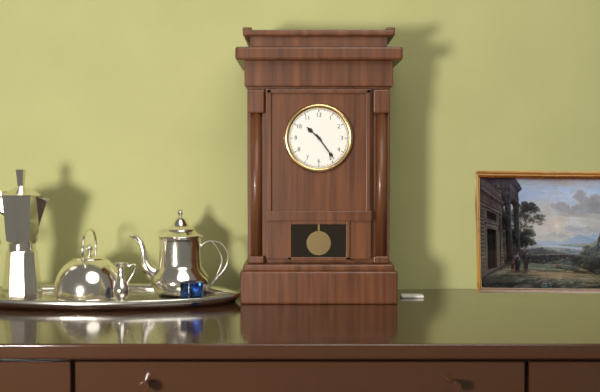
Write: 10:24
